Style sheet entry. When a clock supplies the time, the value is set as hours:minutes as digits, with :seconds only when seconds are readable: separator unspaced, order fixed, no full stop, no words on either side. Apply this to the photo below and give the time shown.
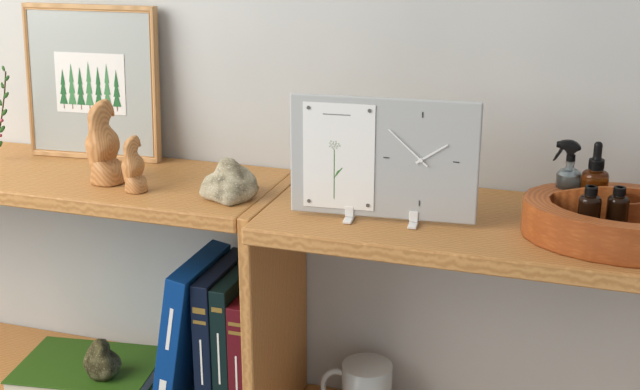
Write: 1:52
